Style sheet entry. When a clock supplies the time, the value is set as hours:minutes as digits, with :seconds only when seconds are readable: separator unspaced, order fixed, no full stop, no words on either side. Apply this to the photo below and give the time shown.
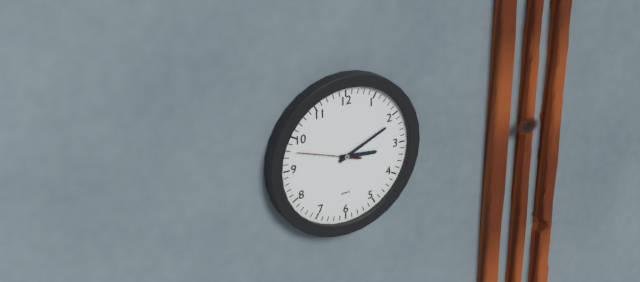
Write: 3:11:48
